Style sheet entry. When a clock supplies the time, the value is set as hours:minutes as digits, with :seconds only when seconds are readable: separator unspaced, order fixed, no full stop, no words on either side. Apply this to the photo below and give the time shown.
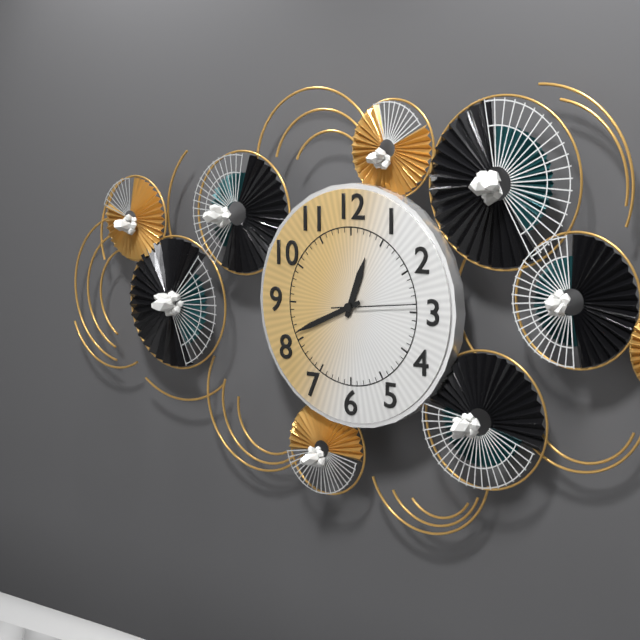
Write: 12:41:14
